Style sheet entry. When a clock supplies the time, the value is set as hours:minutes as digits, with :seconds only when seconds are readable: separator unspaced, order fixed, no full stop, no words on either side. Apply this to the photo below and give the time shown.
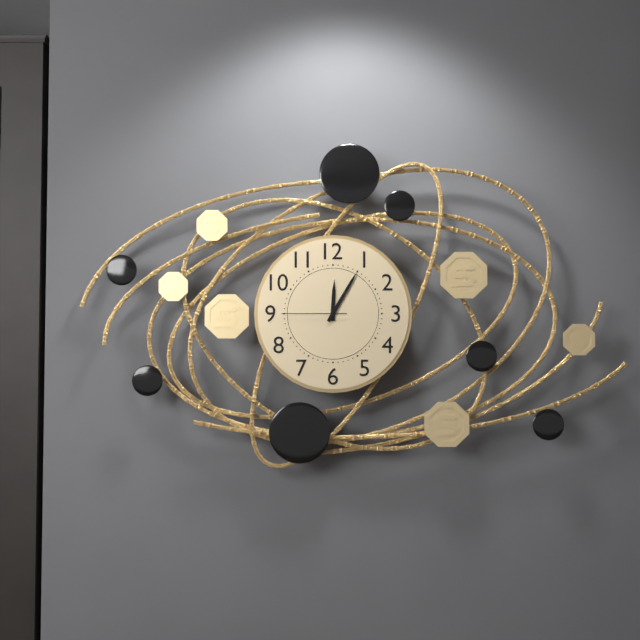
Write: 12:05:45
